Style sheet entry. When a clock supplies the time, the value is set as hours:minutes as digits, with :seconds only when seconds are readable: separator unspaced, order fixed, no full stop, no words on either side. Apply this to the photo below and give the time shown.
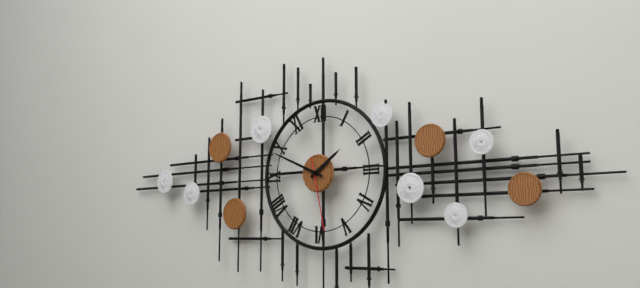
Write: 1:49:28
